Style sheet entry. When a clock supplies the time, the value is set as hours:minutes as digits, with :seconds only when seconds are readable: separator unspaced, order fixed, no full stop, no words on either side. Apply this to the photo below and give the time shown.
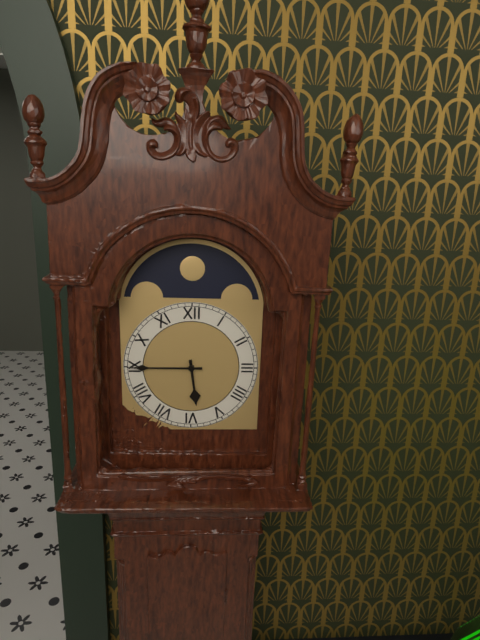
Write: 5:45
